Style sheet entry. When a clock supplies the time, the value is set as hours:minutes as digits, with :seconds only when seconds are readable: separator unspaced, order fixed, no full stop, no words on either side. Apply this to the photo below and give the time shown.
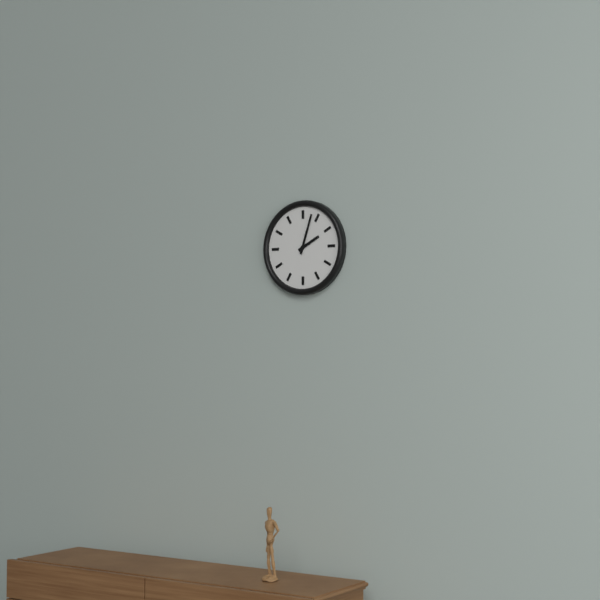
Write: 2:03
